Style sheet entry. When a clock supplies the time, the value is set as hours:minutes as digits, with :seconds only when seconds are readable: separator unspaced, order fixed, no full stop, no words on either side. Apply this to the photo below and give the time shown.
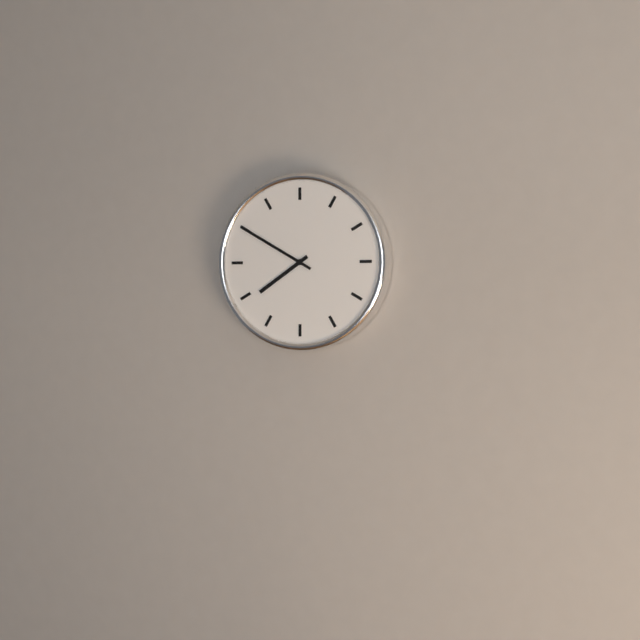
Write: 7:50
